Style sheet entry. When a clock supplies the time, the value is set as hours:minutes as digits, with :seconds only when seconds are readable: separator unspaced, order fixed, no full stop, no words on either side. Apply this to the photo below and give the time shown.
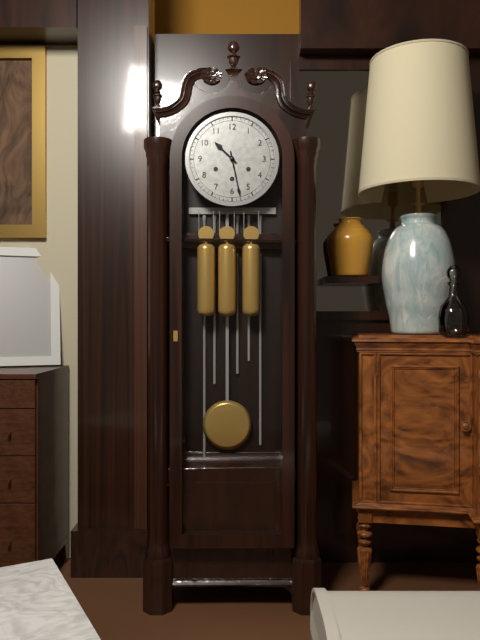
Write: 10:28
